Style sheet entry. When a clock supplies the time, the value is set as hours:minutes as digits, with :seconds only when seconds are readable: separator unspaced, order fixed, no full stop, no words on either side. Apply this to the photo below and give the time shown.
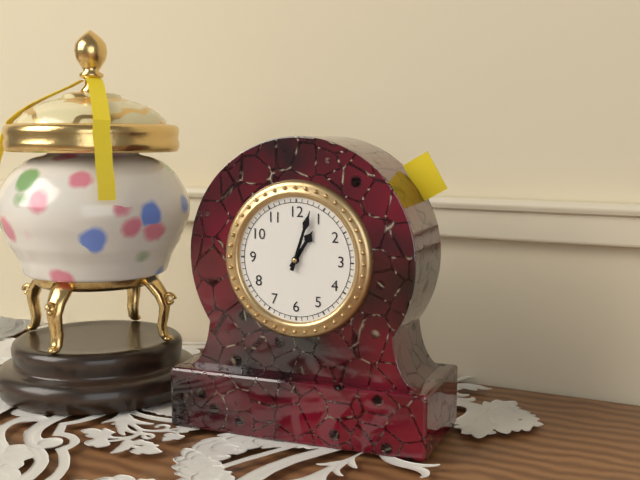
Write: 1:03
